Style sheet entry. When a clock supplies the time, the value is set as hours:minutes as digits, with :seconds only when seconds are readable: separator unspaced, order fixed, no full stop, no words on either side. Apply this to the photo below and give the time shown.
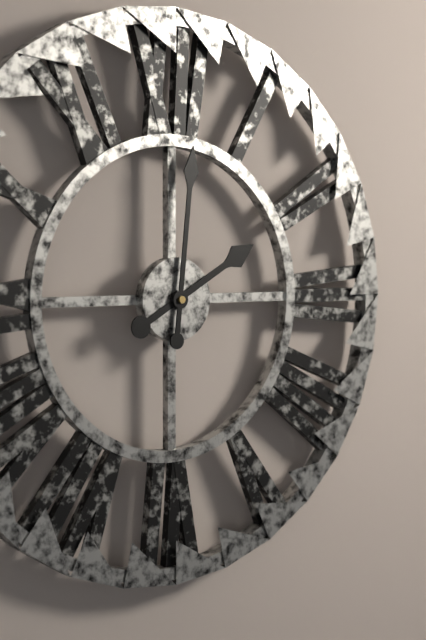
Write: 2:01
